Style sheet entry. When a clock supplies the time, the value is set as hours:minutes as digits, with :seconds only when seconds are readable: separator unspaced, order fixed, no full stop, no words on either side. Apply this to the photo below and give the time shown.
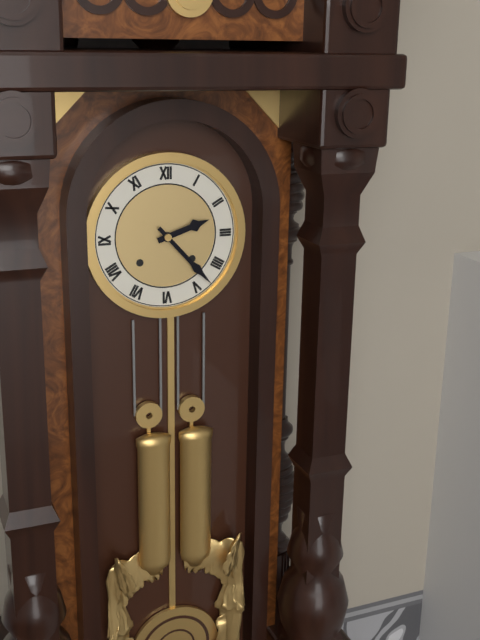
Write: 2:23
